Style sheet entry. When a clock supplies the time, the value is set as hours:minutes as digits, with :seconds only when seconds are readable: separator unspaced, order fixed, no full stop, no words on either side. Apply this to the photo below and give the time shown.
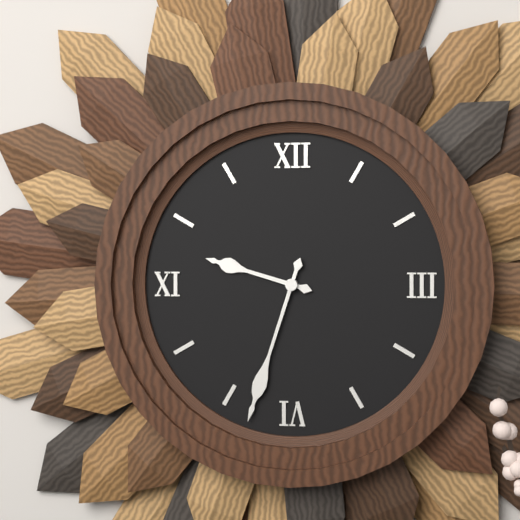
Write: 9:33
